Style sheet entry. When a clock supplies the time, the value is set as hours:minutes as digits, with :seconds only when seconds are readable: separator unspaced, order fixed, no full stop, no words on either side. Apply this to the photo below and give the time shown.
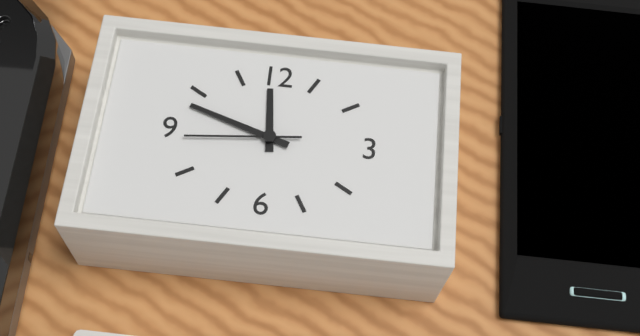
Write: 11:48:44
